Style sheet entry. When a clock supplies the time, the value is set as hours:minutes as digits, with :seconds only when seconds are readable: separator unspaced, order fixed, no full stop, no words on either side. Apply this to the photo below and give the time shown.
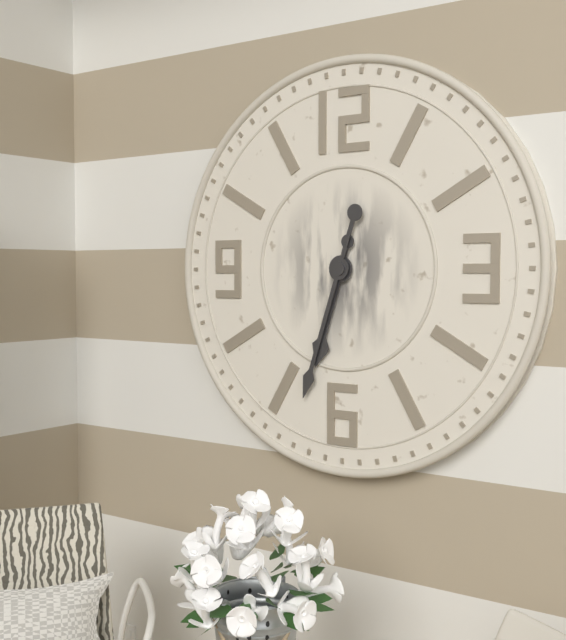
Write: 6:33
